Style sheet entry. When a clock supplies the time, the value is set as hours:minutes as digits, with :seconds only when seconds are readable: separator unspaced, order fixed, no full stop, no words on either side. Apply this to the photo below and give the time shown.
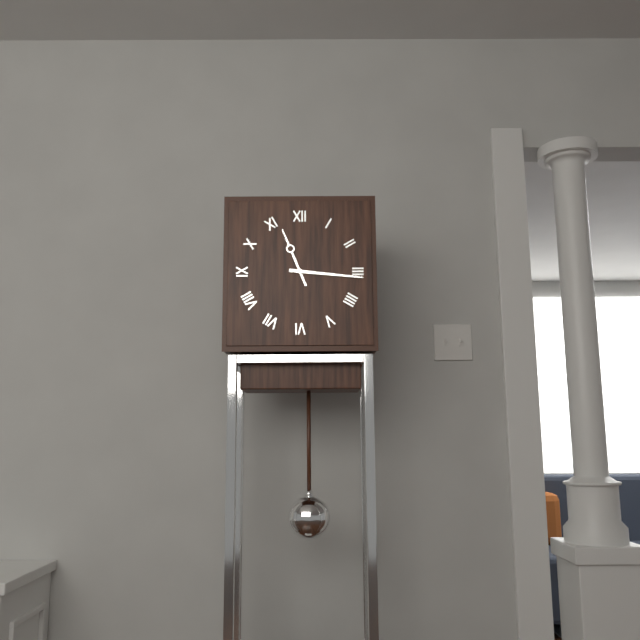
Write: 11:16
